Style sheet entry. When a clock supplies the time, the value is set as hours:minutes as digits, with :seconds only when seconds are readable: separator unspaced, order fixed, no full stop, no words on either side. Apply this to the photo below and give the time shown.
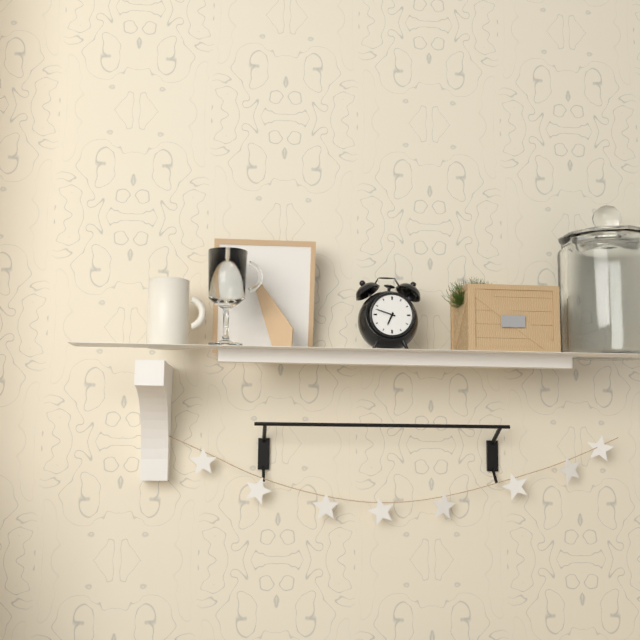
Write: 6:48
